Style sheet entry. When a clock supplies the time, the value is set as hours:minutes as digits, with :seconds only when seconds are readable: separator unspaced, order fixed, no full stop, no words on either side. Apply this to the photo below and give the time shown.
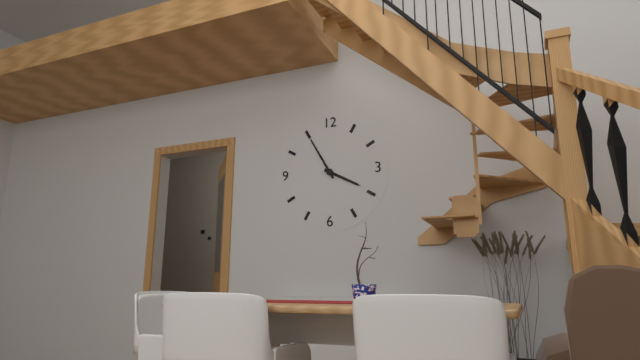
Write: 3:55
